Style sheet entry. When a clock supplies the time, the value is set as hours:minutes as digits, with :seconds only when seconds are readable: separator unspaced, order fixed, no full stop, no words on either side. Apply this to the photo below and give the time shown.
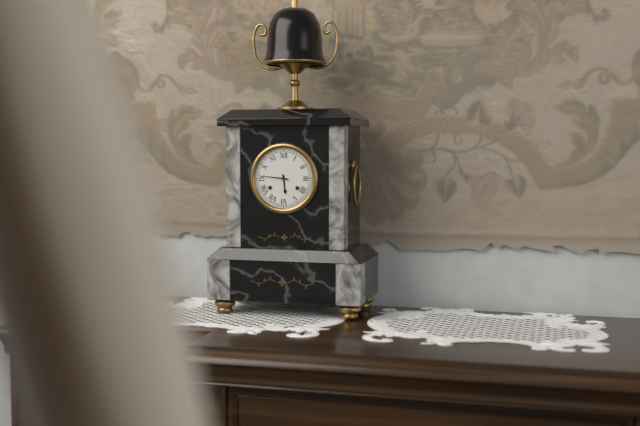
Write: 5:46
